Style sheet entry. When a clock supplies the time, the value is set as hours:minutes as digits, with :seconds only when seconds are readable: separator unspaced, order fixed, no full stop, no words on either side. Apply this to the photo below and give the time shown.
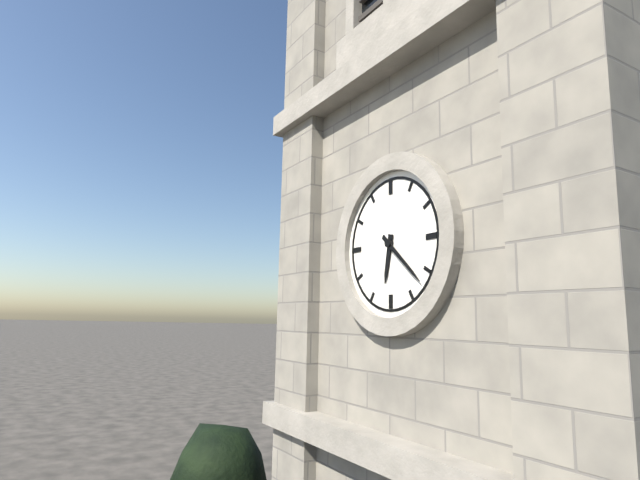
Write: 6:22
